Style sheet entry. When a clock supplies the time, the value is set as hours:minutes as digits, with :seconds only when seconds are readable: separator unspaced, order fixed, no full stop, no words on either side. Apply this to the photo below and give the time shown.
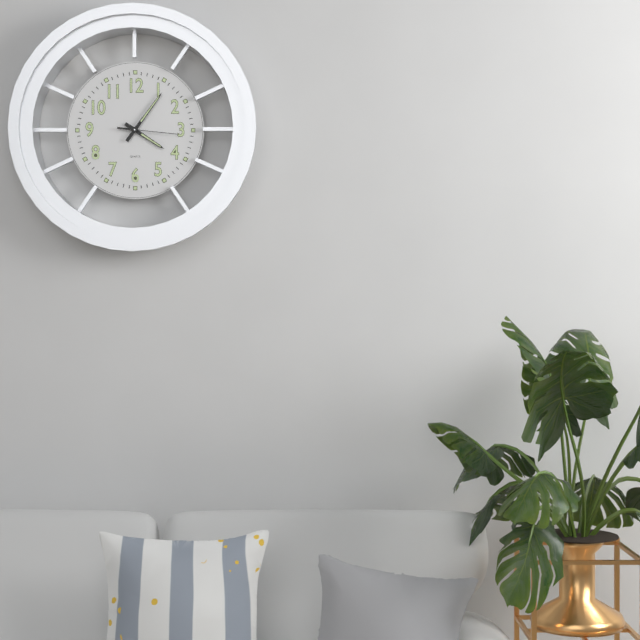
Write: 4:06:16
